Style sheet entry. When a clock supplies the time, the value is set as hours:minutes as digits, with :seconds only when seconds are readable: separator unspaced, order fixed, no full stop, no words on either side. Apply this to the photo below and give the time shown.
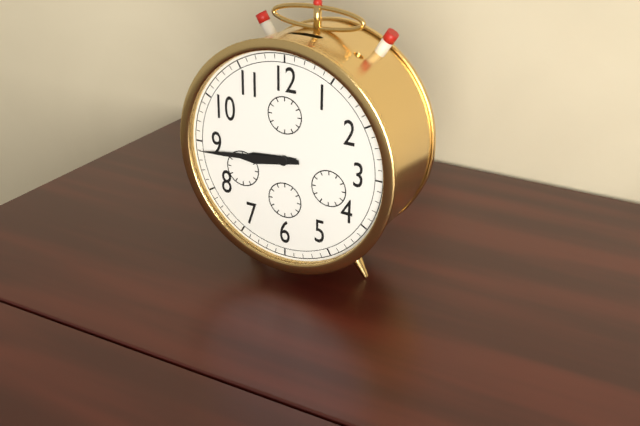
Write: 8:44
